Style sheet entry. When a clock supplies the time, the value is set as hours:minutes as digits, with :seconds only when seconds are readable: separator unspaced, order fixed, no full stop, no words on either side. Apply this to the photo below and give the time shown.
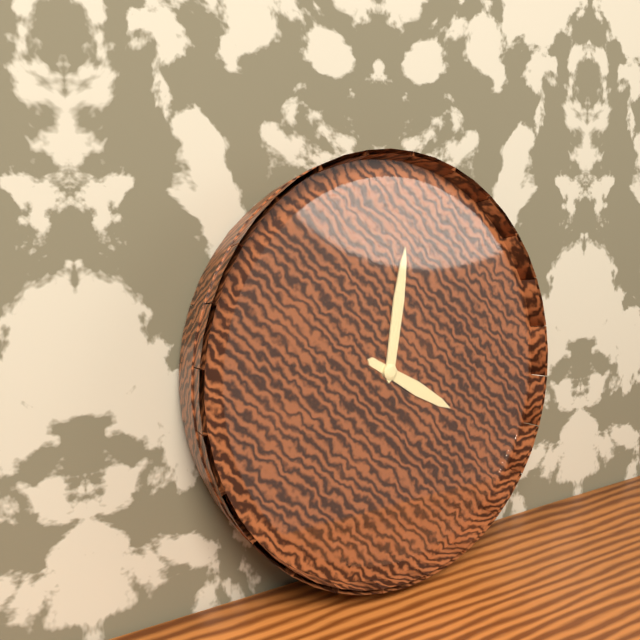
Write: 4:02
